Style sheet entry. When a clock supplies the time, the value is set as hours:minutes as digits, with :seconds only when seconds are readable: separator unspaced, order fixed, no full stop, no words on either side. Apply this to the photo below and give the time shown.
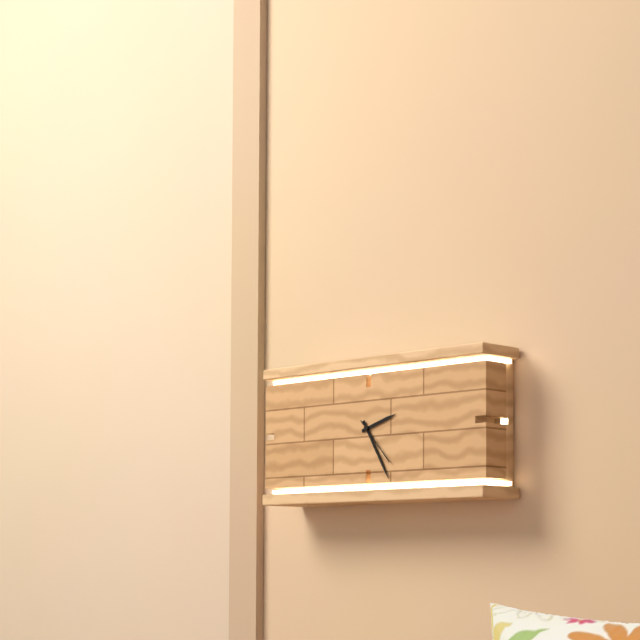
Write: 2:25
